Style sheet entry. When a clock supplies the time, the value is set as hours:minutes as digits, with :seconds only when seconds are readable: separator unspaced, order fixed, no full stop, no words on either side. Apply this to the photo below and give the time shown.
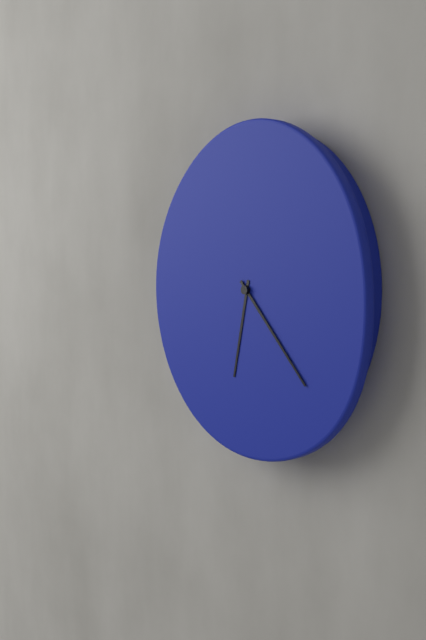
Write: 6:23
